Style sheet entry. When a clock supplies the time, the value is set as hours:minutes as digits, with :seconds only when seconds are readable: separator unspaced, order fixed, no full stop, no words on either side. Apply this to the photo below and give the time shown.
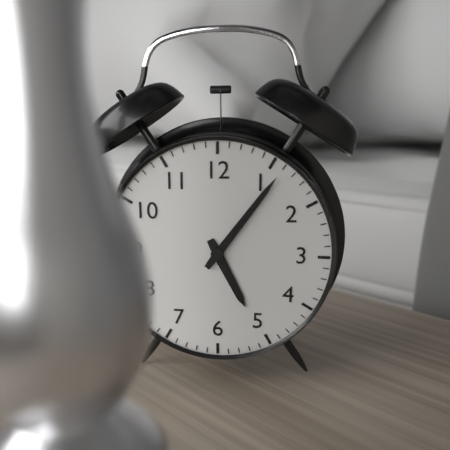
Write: 5:06
